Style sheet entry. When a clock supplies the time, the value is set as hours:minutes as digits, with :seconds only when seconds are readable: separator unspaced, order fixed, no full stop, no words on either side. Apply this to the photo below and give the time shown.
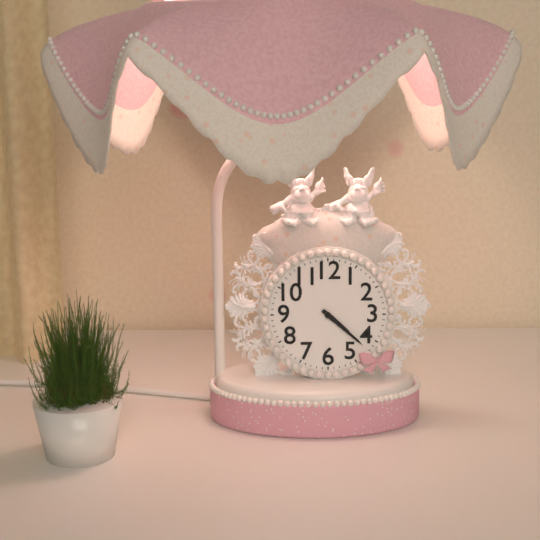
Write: 4:22
